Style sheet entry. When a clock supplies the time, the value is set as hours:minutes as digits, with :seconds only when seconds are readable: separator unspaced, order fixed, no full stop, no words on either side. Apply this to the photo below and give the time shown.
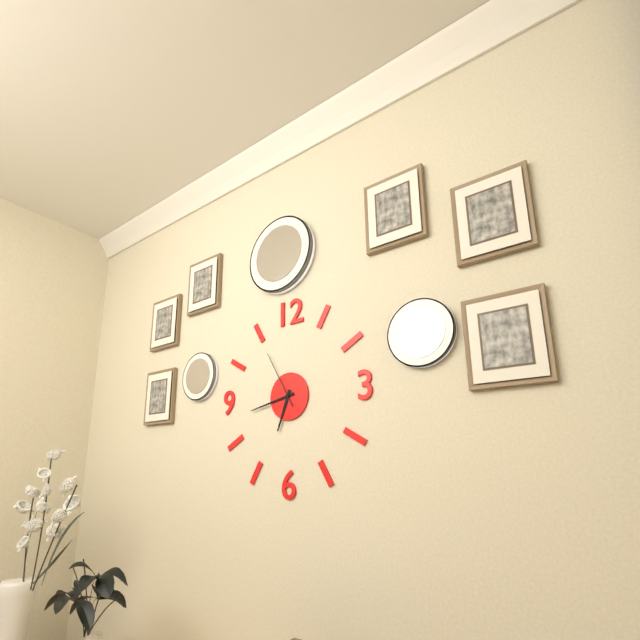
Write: 6:43:55
